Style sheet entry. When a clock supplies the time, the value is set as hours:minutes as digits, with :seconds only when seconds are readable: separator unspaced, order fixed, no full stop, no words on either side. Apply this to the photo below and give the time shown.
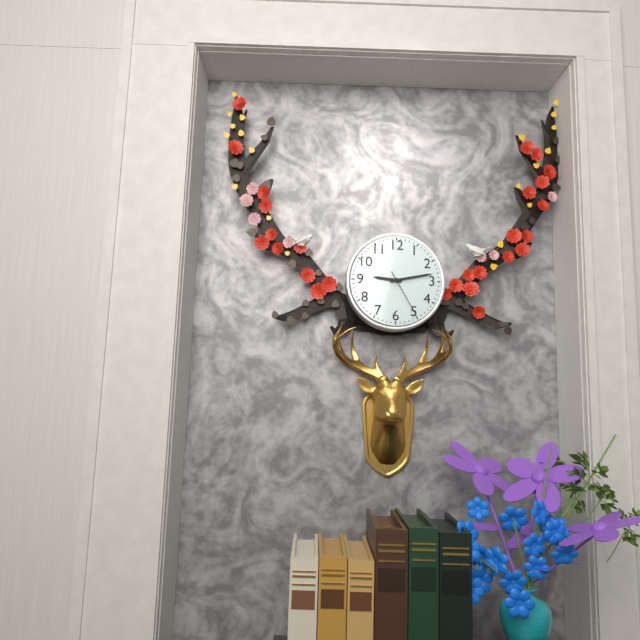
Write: 9:13:25
